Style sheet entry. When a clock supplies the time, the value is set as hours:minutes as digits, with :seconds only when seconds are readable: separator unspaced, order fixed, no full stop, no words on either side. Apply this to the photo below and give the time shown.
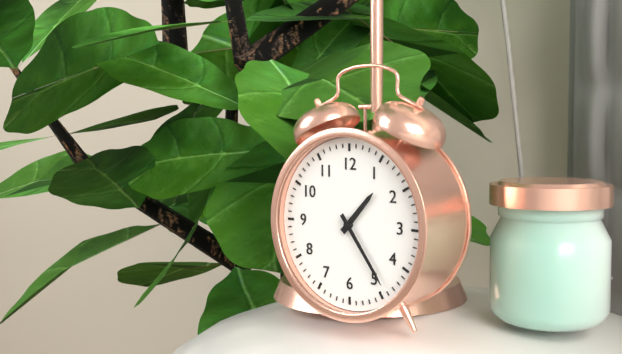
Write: 1:24
